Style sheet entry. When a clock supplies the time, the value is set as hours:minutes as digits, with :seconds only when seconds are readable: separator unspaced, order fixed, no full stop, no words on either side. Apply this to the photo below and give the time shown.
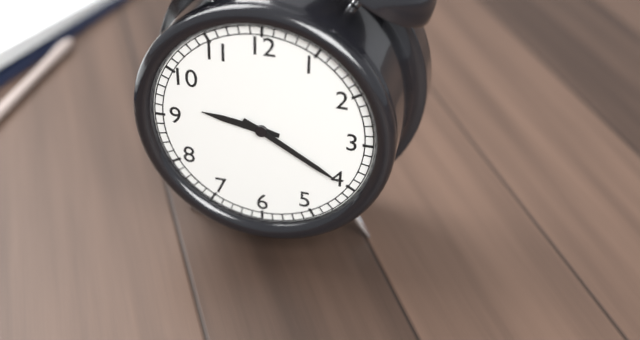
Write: 9:20
